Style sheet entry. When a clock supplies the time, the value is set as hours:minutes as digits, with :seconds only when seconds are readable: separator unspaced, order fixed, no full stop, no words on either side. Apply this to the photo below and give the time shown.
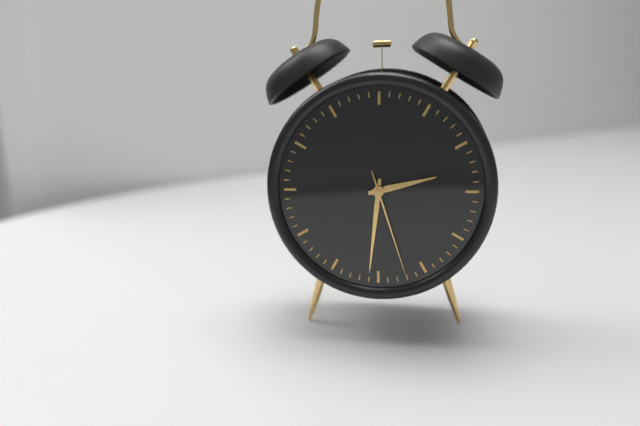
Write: 2:31:27
